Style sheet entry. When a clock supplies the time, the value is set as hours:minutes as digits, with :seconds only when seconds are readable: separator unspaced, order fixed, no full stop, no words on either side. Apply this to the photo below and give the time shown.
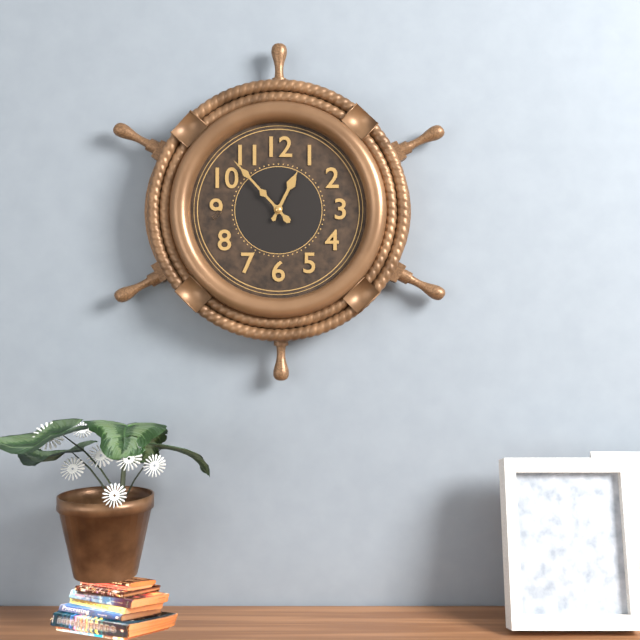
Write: 12:53
